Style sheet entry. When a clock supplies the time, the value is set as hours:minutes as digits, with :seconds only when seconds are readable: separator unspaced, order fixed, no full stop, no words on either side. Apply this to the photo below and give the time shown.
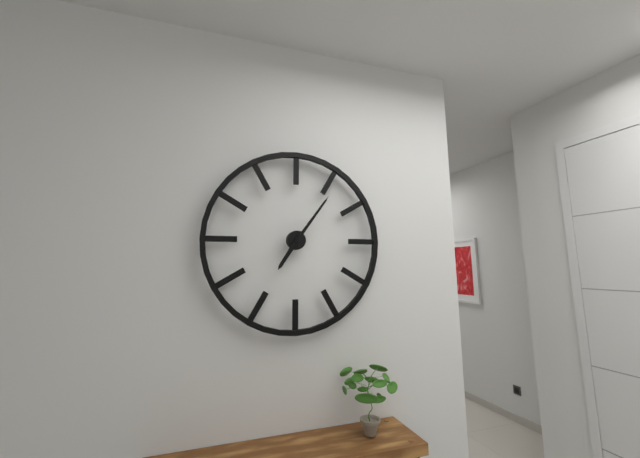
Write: 7:06
